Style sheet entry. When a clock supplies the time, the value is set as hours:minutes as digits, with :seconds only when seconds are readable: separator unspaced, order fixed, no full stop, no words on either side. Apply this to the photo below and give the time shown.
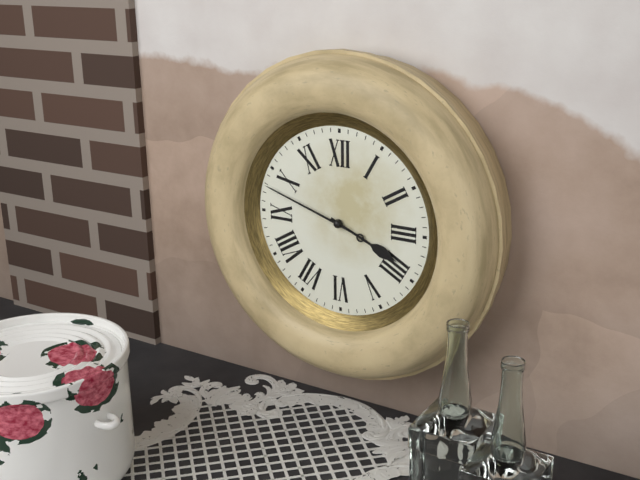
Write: 3:48
